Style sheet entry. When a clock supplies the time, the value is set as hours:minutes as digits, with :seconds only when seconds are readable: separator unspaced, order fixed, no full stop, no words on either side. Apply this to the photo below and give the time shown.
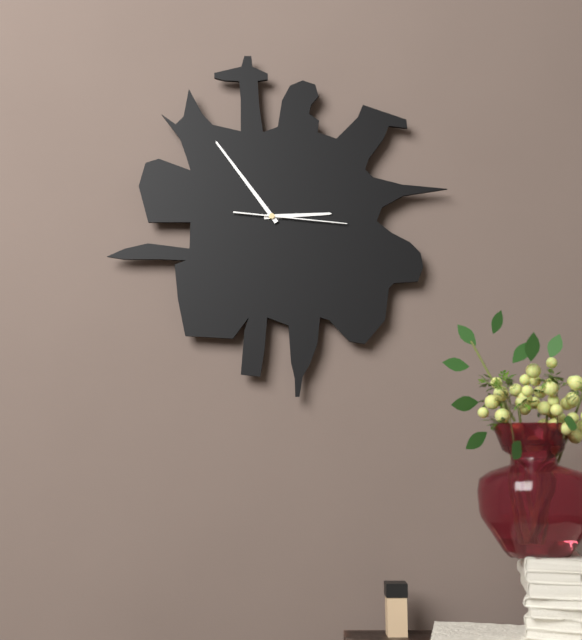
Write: 2:54:16
